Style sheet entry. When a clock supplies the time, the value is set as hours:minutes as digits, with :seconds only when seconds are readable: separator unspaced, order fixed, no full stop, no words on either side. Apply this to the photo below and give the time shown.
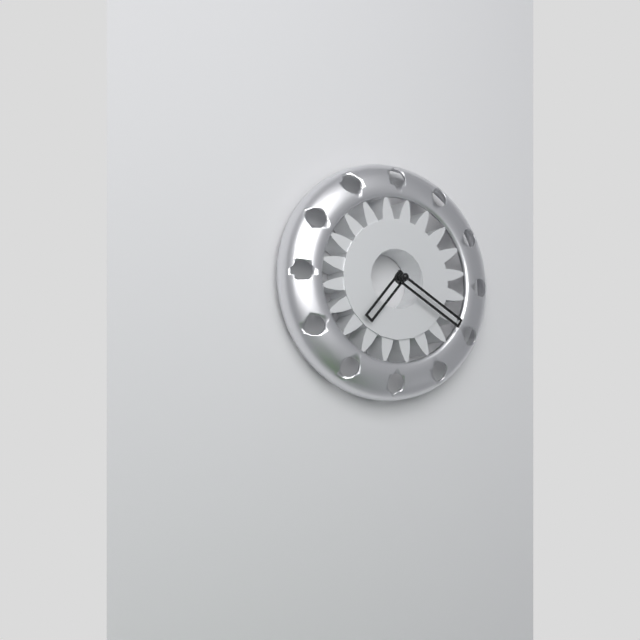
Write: 7:20
